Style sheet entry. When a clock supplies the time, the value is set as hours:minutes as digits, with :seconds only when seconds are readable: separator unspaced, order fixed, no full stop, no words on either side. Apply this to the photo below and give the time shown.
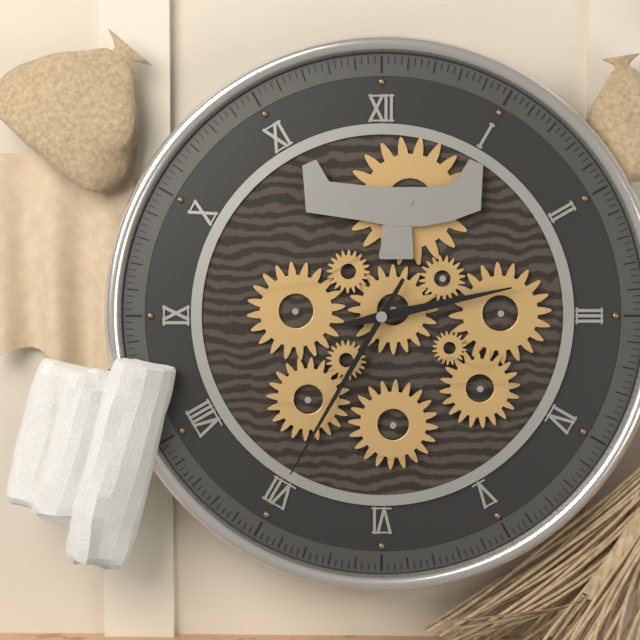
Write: 2:35
